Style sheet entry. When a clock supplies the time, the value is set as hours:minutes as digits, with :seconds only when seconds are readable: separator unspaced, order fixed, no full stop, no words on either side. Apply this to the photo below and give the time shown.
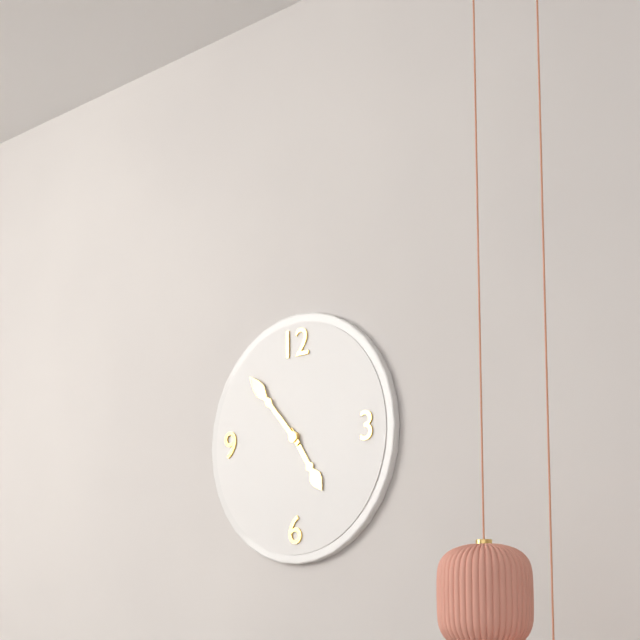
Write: 4:53
